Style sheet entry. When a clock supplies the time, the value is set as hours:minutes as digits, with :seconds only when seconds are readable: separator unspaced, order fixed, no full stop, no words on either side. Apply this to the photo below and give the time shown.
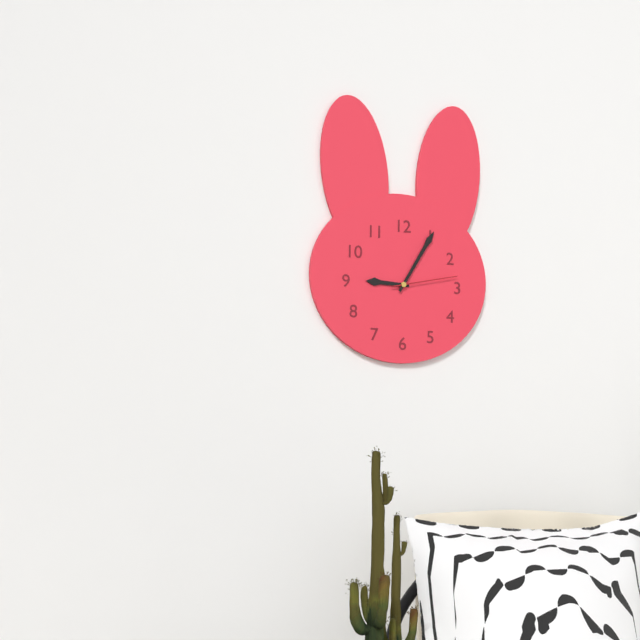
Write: 9:05:13
